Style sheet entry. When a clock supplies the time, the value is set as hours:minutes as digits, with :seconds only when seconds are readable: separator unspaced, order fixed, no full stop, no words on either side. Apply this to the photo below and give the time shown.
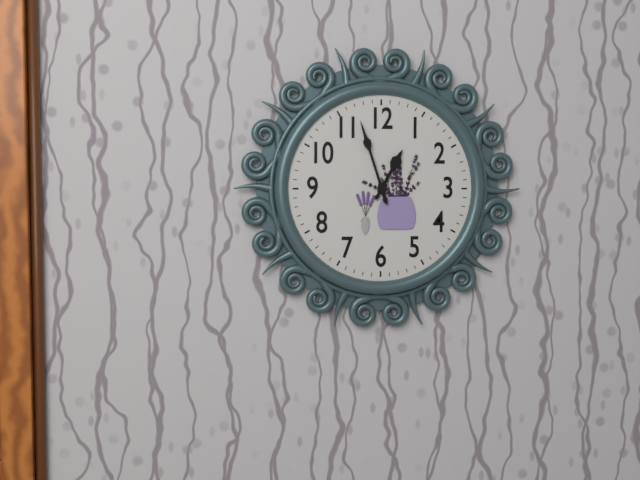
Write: 12:57
